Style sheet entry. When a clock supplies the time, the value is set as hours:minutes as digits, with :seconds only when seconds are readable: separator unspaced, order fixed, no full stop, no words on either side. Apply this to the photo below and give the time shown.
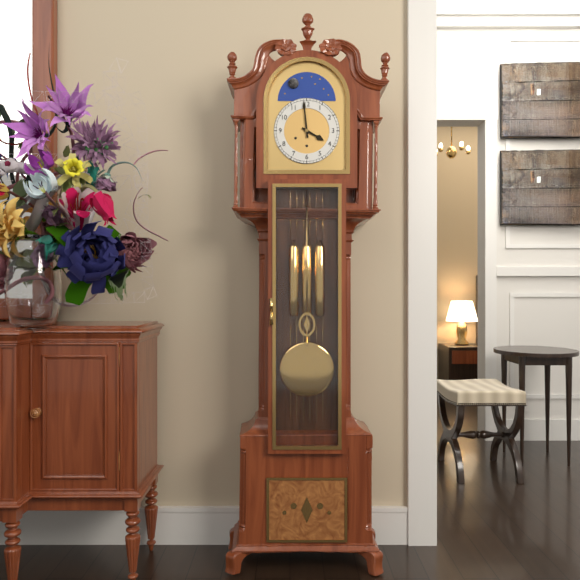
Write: 3:59
